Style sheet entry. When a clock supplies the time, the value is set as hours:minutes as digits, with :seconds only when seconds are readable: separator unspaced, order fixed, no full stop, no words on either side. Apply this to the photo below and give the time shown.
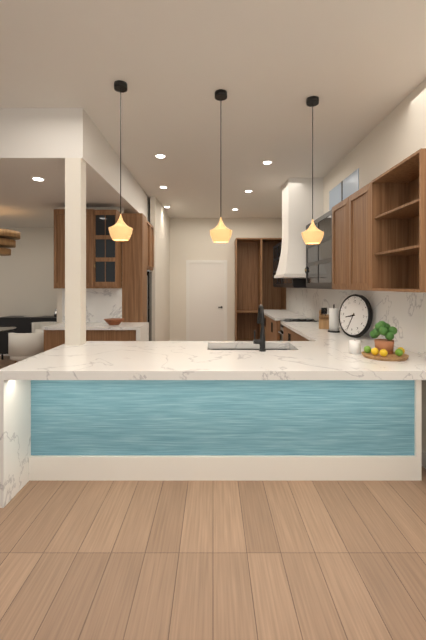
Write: 8:34
